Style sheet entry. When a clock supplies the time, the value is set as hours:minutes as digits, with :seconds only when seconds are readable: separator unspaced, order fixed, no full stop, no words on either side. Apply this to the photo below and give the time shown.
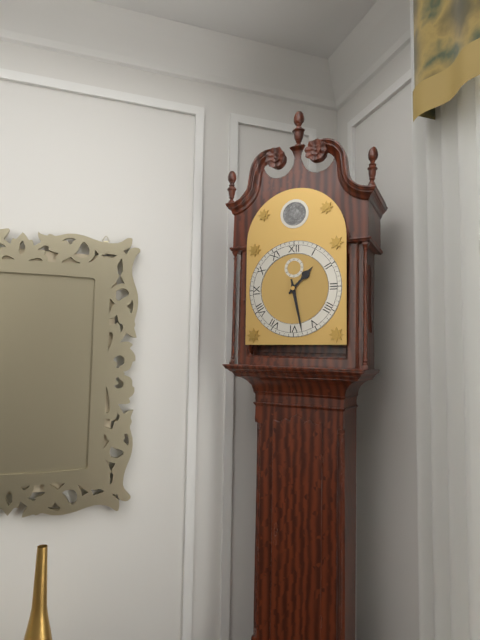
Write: 1:28
